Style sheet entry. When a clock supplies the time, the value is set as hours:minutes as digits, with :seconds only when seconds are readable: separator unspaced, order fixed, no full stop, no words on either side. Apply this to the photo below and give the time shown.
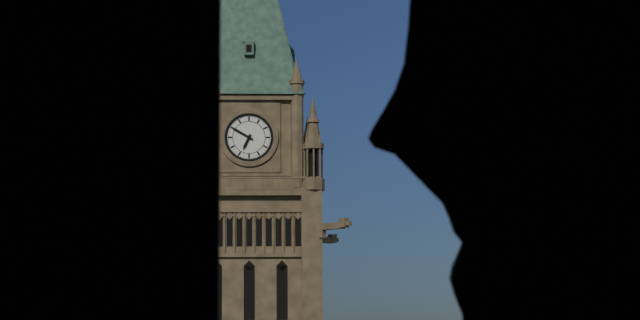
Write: 6:50
